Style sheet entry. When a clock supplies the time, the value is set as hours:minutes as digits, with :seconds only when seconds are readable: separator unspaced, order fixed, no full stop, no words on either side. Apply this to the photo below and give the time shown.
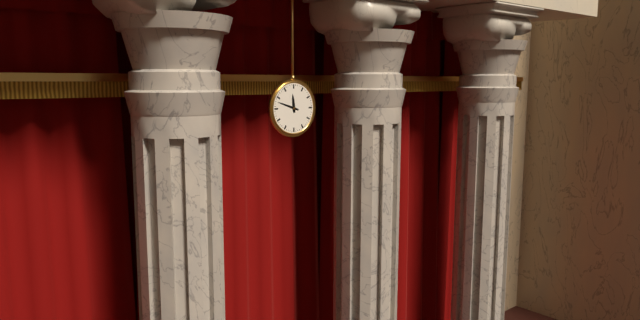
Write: 11:48
